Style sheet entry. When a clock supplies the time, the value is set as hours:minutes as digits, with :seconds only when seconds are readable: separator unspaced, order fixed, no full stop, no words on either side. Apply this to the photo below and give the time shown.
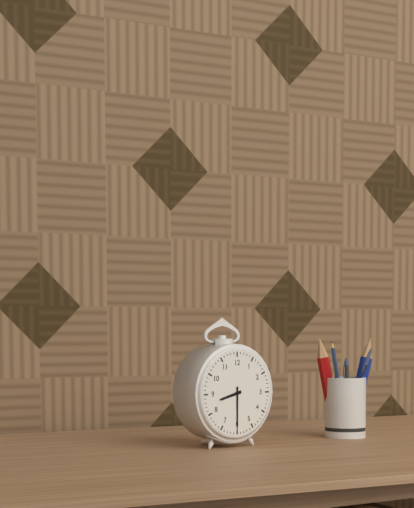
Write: 8:30
